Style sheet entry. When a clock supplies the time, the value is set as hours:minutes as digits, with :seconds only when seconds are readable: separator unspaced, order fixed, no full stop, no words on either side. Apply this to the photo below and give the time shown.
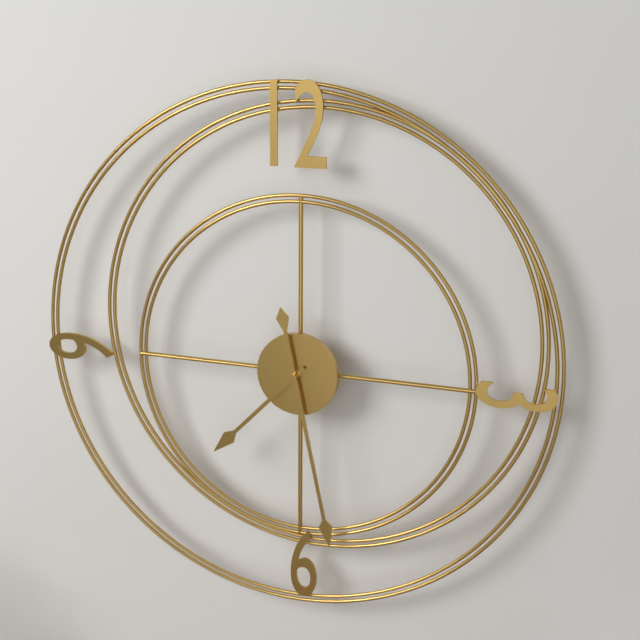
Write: 7:28
